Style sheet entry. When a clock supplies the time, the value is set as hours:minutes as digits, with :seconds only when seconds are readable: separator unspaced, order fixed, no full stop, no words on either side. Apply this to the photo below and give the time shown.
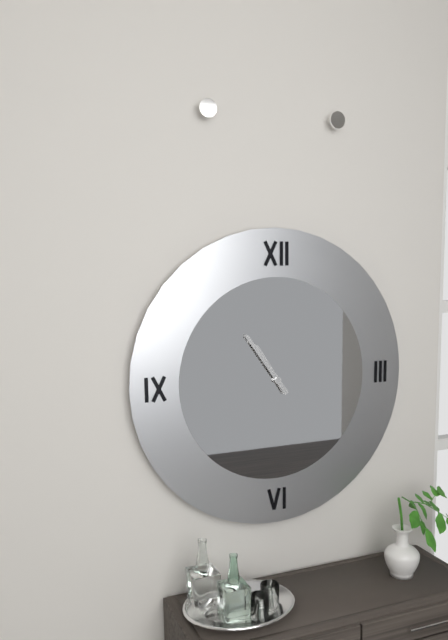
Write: 10:54
